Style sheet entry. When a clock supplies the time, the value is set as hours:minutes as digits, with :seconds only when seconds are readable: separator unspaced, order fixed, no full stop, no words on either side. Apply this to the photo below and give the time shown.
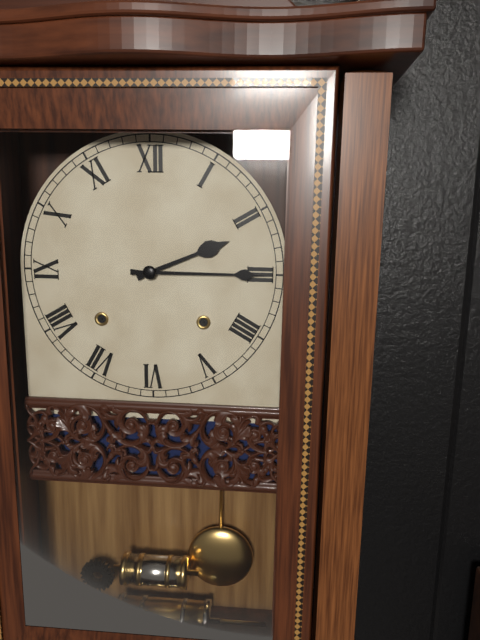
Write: 2:15
